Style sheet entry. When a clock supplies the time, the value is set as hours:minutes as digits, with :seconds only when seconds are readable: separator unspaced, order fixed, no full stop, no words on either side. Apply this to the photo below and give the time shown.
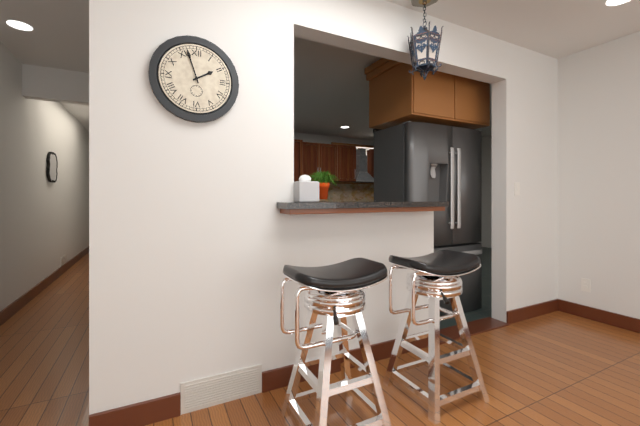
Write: 1:57
